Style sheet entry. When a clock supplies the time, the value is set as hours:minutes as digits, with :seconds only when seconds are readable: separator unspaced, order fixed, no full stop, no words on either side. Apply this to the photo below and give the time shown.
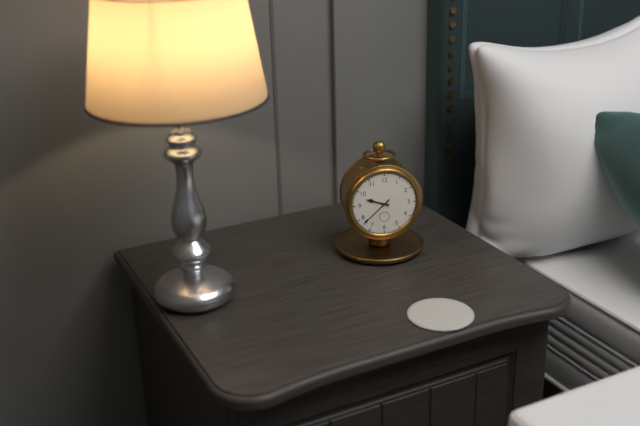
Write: 9:38
